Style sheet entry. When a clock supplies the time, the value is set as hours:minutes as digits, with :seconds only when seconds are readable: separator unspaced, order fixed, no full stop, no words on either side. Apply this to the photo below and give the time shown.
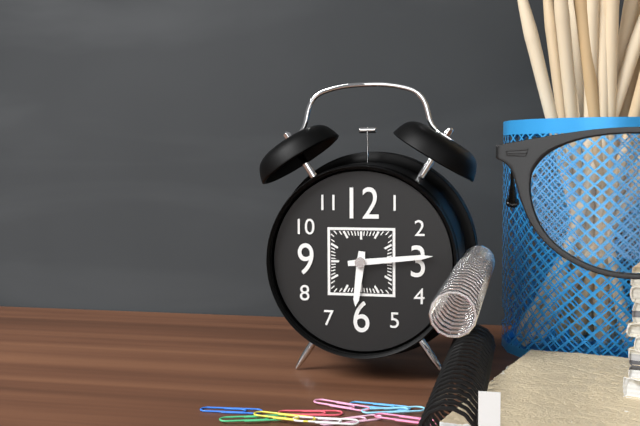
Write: 6:14
